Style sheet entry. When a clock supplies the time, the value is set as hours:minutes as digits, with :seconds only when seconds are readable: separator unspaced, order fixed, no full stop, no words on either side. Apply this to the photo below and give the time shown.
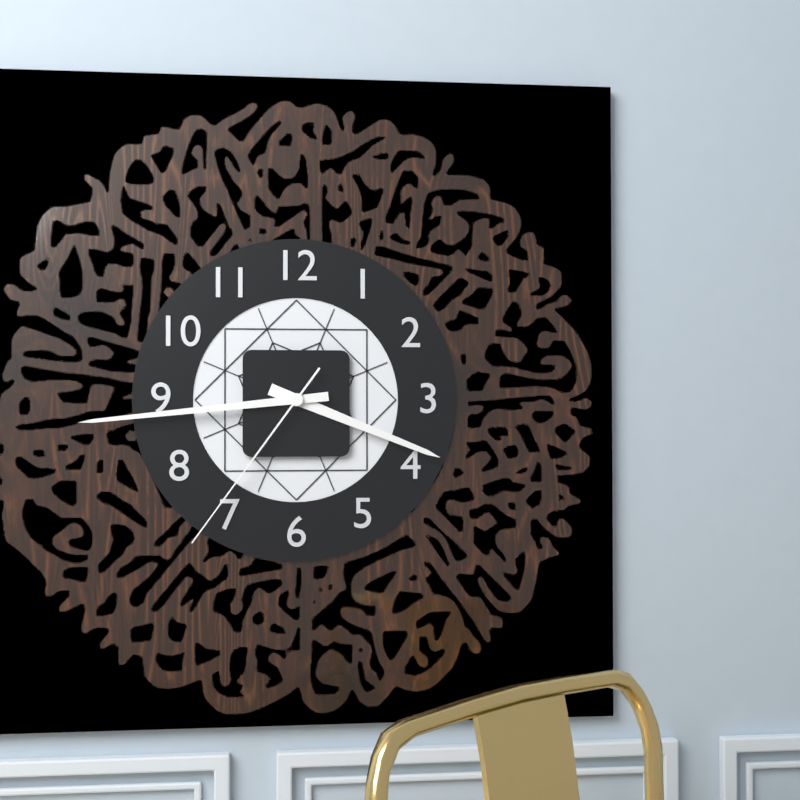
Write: 3:44:36
